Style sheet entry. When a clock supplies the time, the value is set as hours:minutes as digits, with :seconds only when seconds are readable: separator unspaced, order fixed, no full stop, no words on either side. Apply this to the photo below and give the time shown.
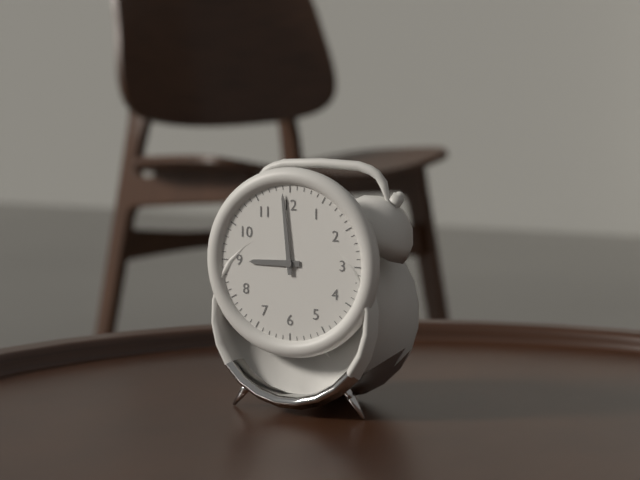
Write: 8:59
